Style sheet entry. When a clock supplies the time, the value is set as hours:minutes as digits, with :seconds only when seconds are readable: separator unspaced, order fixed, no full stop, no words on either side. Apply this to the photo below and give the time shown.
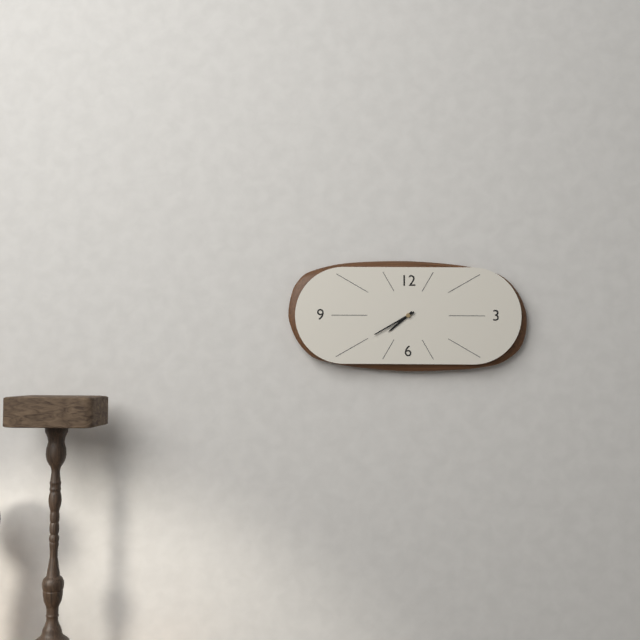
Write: 7:40
